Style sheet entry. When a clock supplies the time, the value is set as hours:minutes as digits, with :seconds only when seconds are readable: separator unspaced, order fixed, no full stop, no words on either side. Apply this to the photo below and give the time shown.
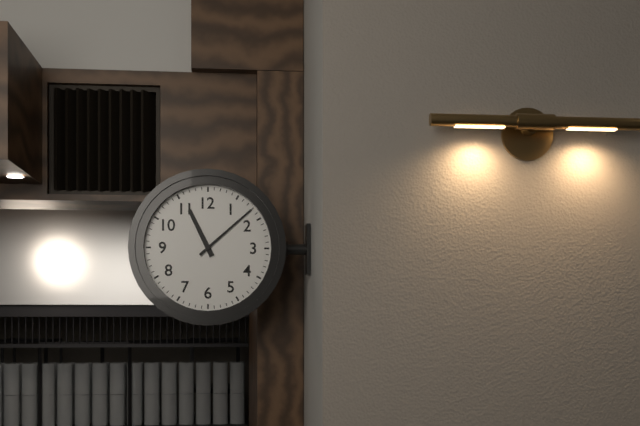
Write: 11:08
